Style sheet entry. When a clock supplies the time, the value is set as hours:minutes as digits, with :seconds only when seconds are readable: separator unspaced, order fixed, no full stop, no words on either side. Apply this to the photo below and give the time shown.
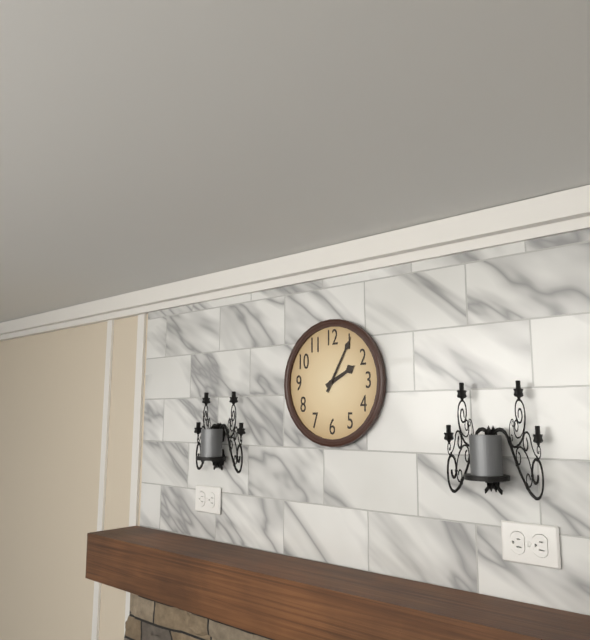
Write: 2:05
